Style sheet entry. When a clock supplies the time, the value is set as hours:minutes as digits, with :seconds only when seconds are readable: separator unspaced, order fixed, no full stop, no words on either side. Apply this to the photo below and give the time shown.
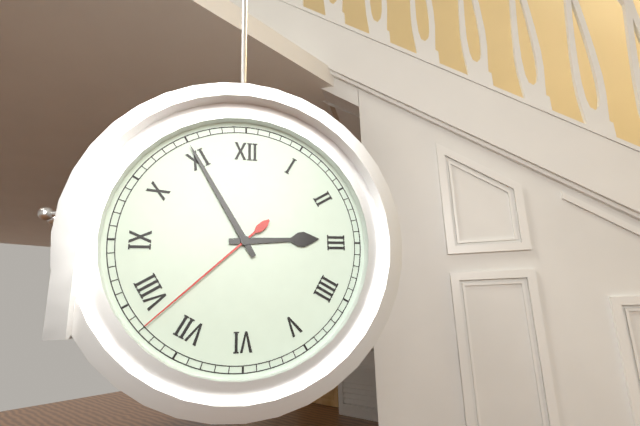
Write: 2:55:38
